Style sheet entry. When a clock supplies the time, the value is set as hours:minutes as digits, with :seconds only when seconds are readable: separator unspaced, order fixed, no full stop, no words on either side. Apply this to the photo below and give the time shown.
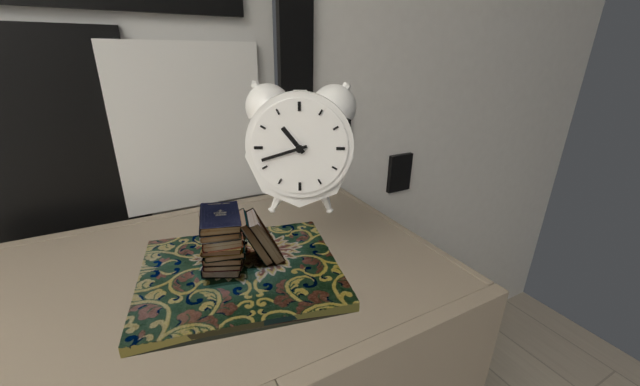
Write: 10:42
